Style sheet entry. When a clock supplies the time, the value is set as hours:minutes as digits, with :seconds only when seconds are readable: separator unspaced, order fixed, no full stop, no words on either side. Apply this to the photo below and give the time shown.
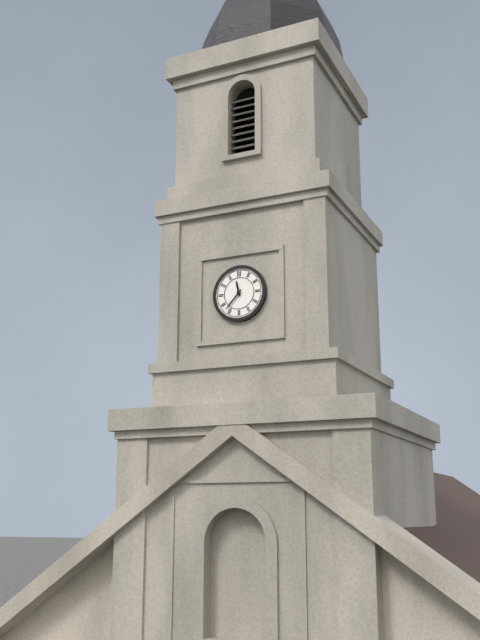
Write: 11:37
